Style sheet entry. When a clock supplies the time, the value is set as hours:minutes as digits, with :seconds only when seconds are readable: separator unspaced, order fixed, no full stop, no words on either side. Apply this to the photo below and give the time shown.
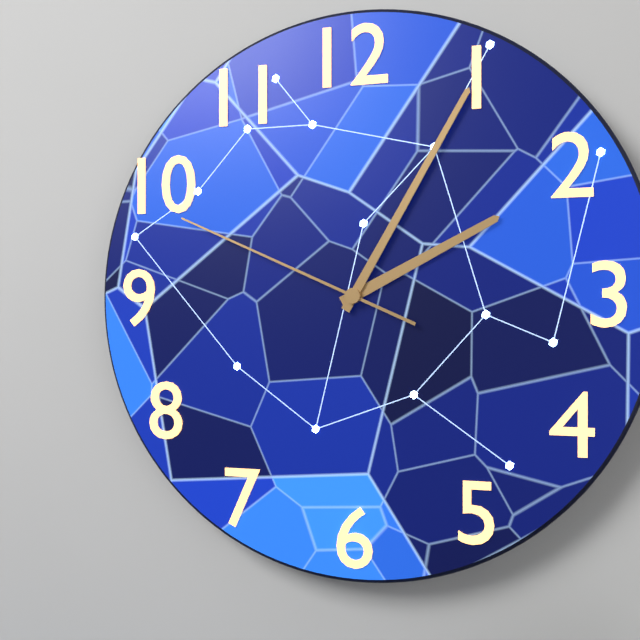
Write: 2:05:49
